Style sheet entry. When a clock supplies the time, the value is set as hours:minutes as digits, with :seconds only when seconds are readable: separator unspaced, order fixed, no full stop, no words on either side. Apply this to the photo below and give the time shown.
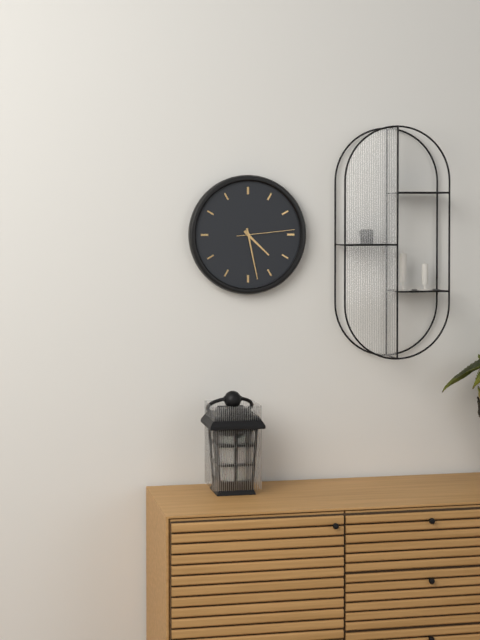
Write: 4:28:14
